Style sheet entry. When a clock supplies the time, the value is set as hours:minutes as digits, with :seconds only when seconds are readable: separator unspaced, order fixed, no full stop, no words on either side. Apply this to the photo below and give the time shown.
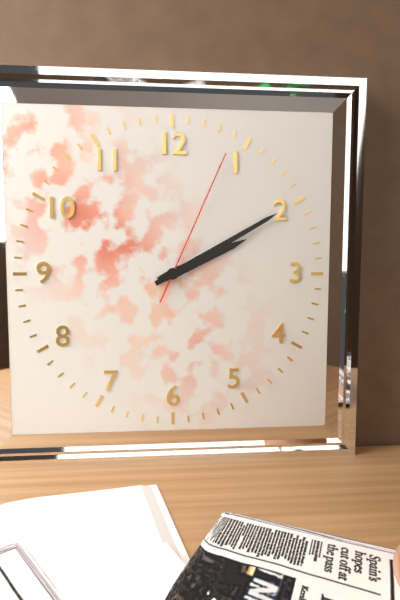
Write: 2:10:04
